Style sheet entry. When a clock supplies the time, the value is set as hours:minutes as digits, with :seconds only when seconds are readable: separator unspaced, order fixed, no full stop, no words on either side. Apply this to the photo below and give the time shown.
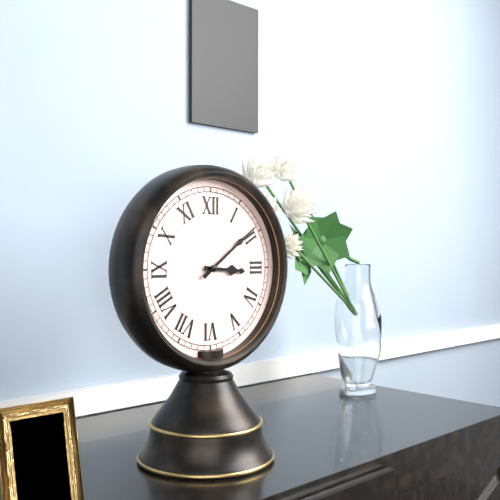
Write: 3:09
